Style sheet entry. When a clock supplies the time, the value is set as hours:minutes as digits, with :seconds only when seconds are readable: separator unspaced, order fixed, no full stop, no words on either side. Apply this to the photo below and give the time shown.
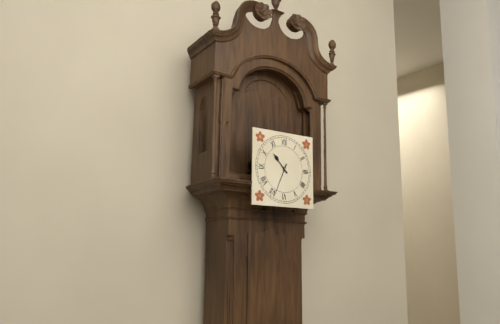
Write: 10:34
